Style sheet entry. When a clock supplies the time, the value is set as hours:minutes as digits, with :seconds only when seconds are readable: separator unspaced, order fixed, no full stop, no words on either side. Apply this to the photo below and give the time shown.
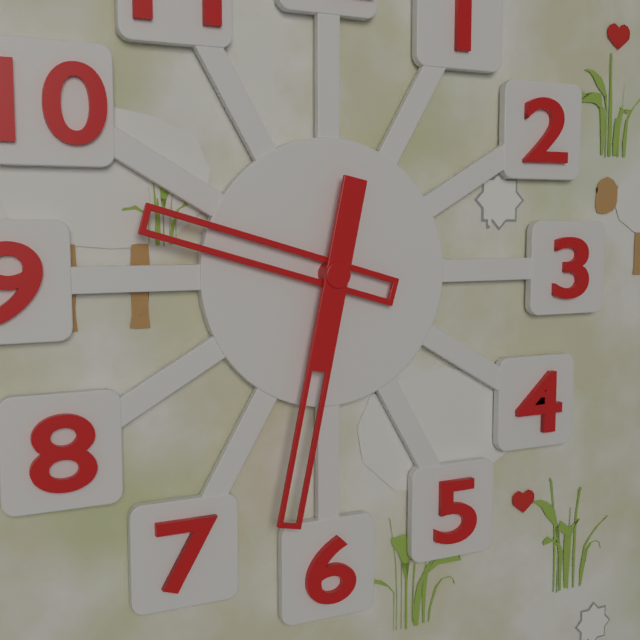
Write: 9:32
